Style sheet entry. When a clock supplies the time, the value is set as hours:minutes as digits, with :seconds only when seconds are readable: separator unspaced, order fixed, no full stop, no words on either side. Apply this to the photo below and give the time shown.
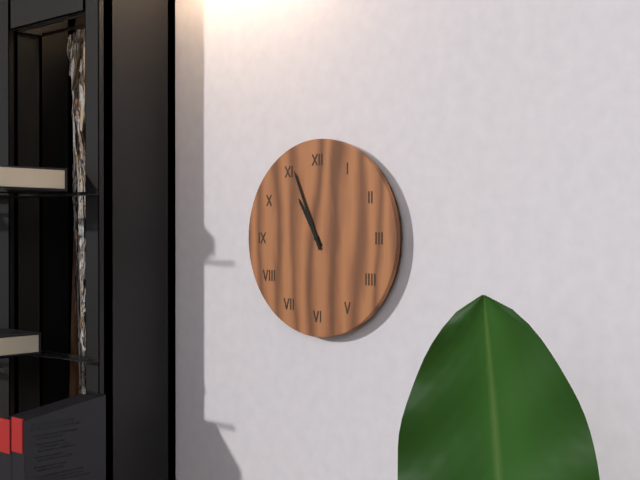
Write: 10:56
